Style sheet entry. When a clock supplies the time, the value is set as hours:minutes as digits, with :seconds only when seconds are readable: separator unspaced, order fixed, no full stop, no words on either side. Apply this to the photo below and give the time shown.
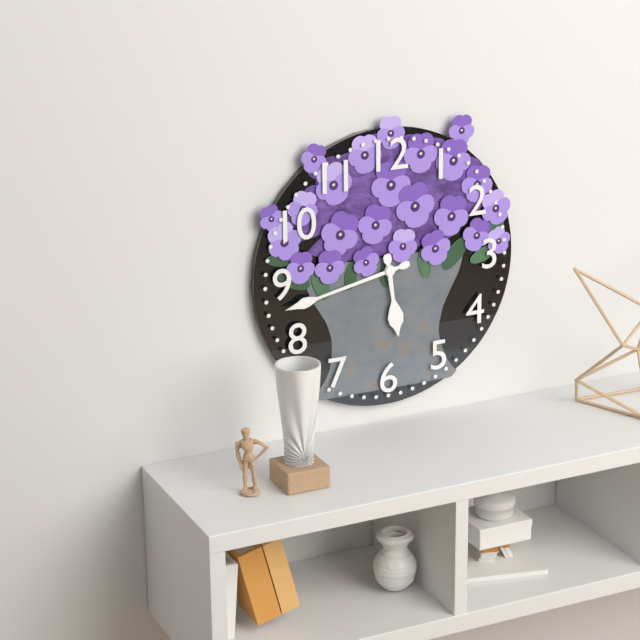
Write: 5:43
